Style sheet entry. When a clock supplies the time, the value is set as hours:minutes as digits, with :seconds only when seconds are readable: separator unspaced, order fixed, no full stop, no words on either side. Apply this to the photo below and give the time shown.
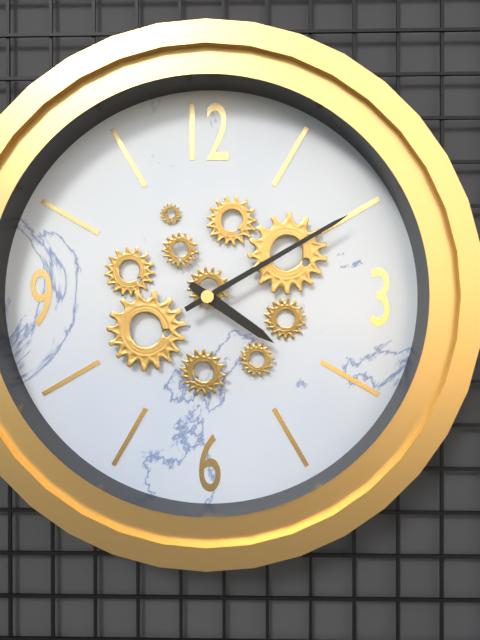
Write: 4:10
